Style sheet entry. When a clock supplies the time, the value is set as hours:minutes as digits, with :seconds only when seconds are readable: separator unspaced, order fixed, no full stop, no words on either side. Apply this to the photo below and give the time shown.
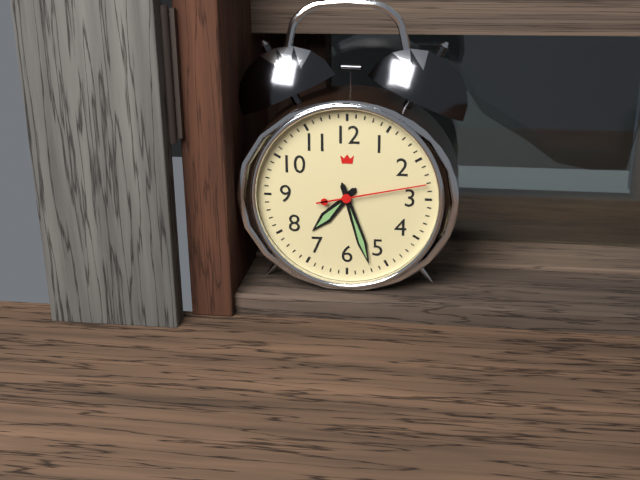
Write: 7:27:13
